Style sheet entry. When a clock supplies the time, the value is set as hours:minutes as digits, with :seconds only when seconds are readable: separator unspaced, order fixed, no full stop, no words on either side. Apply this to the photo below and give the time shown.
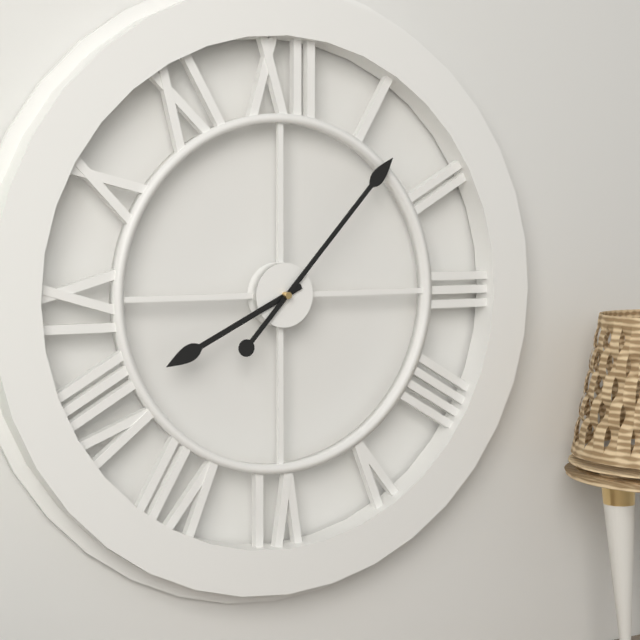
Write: 8:07
